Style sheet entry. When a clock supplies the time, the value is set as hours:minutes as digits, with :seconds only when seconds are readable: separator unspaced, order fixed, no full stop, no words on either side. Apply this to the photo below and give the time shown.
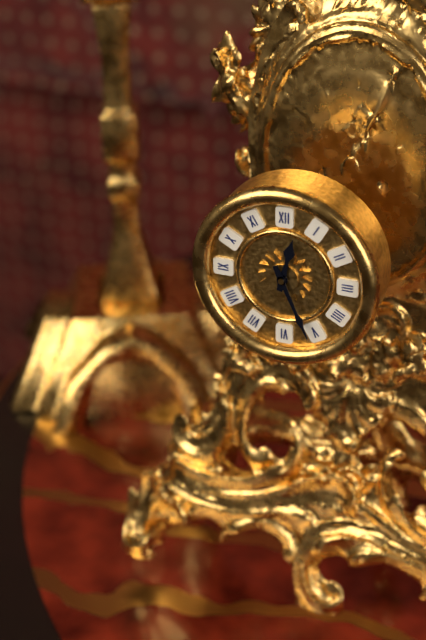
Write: 12:26
